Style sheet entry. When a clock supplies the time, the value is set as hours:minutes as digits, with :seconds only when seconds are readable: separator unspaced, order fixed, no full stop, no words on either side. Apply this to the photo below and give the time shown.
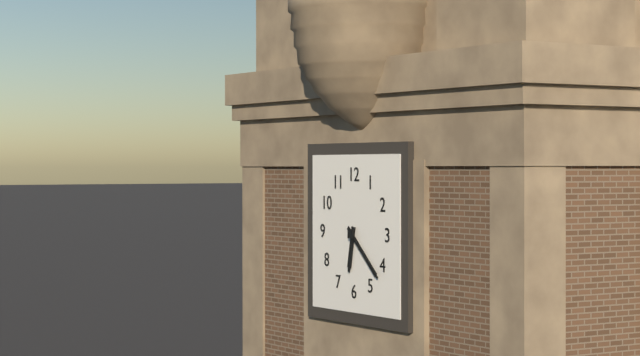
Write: 6:22
